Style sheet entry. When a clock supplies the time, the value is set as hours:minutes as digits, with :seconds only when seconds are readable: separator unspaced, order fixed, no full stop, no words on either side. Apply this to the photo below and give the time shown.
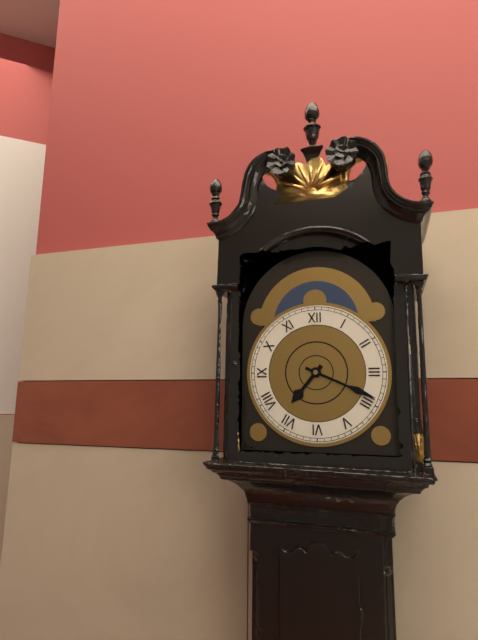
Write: 7:19
